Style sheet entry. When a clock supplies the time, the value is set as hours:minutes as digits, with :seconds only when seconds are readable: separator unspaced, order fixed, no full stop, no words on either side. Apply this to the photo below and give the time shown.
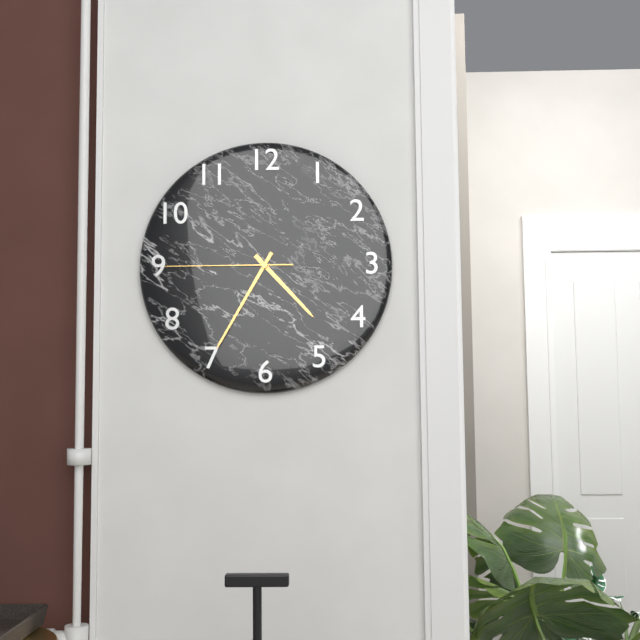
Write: 4:35:45
